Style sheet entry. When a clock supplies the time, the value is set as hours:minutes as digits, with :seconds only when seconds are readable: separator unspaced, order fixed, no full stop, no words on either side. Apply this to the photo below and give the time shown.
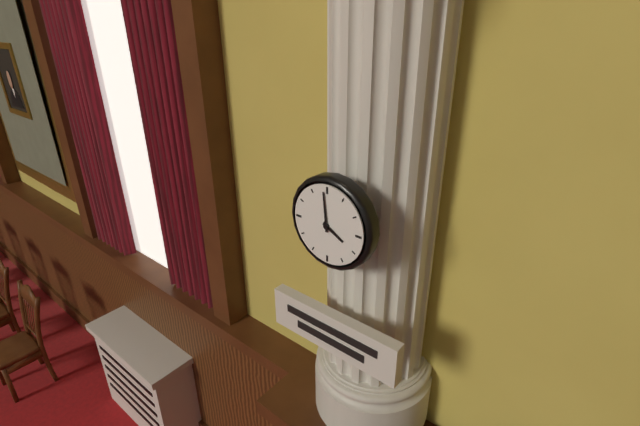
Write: 3:59
